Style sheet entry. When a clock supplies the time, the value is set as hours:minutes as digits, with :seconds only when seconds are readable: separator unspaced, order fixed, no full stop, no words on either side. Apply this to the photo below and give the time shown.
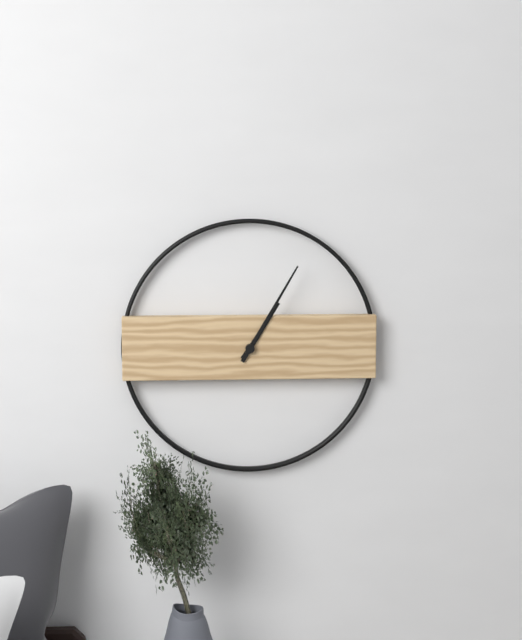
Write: 1:05
